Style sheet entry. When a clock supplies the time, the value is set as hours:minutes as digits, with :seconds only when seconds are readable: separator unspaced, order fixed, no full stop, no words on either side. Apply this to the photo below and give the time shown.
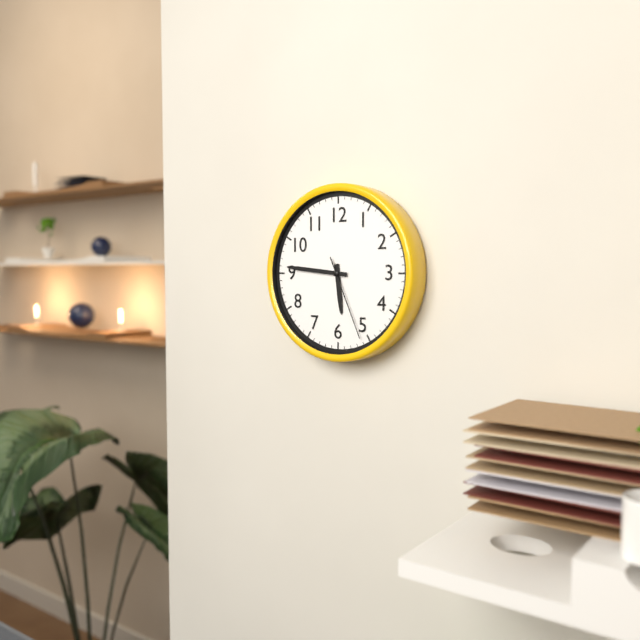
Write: 5:46:26
